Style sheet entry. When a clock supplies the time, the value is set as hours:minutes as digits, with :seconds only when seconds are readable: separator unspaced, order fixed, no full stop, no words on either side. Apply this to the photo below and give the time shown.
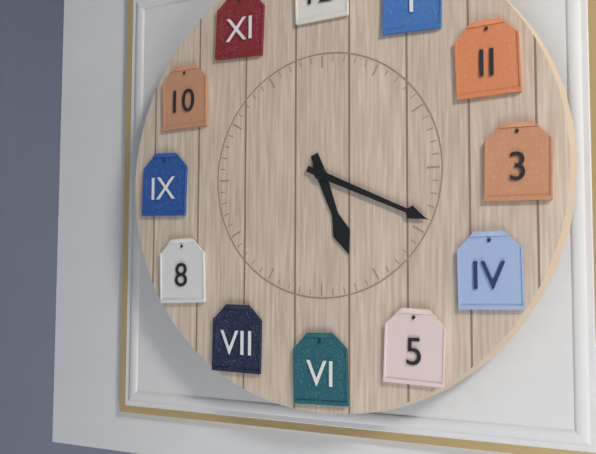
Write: 5:19
